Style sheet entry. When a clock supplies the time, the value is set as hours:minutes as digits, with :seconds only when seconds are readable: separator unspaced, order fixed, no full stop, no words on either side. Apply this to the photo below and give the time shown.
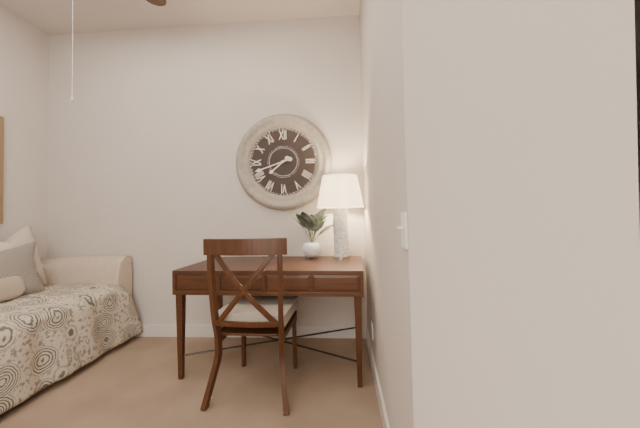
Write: 7:42
